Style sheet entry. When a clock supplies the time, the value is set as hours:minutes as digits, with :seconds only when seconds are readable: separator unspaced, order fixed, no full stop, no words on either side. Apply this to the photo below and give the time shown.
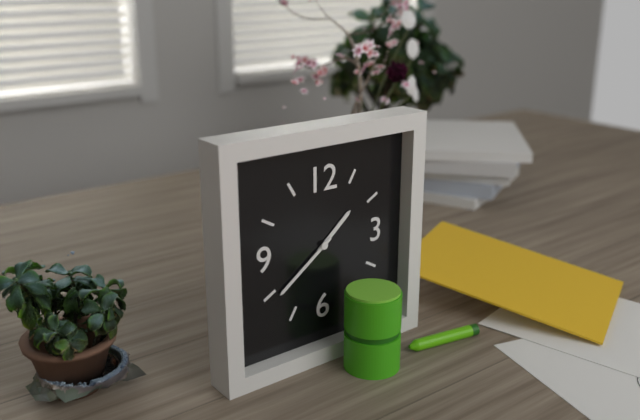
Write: 1:39
